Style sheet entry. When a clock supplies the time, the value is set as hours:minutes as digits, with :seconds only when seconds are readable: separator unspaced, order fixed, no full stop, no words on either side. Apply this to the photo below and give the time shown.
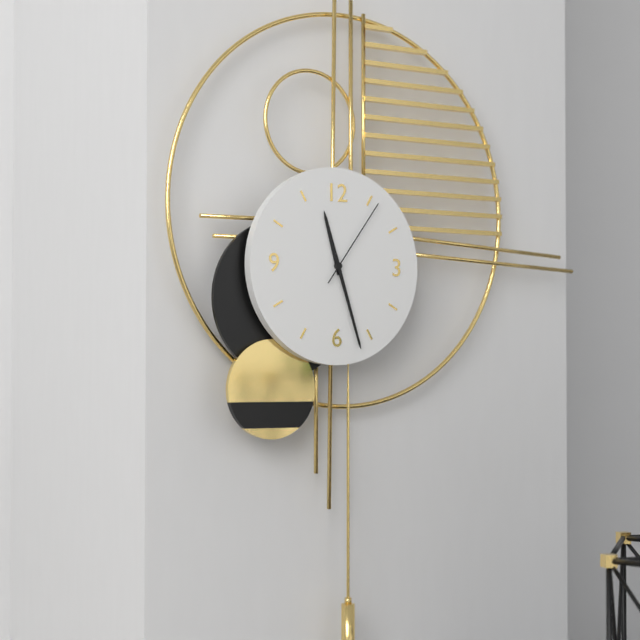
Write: 11:27:06
